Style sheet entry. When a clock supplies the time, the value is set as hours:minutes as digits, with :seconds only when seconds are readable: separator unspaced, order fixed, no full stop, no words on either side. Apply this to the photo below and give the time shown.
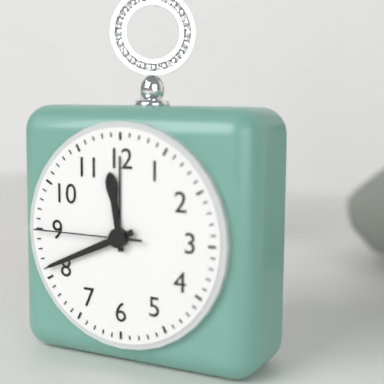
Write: 11:41:45
